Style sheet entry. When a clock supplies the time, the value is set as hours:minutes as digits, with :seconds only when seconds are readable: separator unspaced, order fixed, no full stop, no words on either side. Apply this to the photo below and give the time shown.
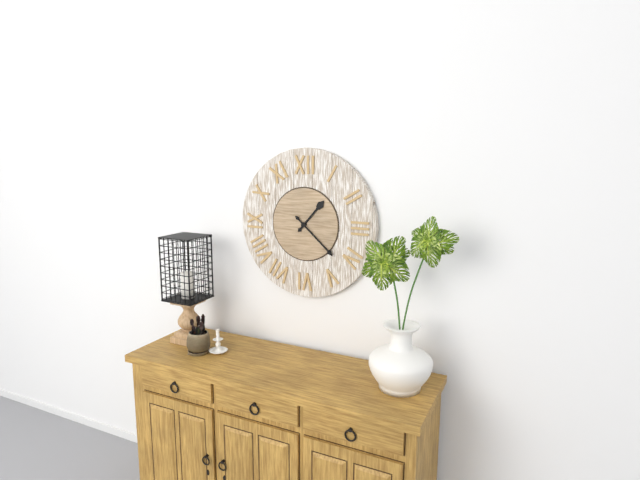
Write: 1:22
